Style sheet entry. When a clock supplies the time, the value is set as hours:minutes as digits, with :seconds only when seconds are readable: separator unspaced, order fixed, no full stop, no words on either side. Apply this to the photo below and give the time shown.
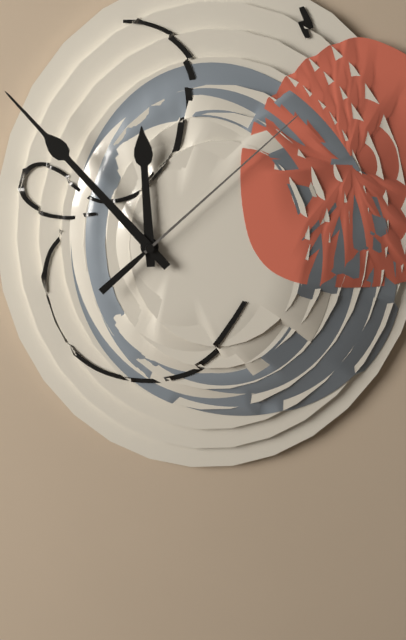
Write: 11:53:08
